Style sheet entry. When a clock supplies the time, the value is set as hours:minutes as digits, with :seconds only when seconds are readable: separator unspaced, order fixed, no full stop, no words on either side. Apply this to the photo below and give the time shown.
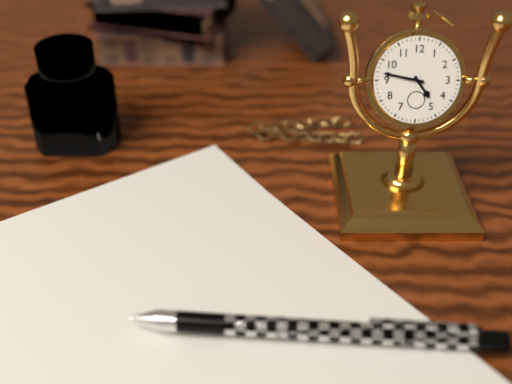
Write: 4:47
